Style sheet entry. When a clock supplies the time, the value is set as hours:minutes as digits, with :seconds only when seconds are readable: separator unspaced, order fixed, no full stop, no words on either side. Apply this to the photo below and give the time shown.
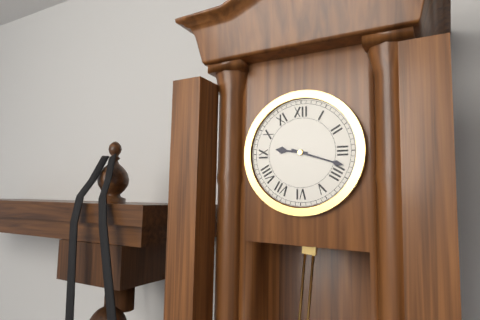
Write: 9:18
